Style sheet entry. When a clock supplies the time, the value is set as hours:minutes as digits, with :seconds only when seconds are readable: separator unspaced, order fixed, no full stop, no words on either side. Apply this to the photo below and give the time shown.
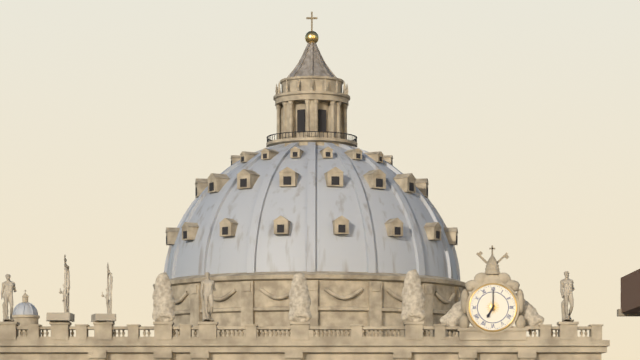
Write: 7:00
